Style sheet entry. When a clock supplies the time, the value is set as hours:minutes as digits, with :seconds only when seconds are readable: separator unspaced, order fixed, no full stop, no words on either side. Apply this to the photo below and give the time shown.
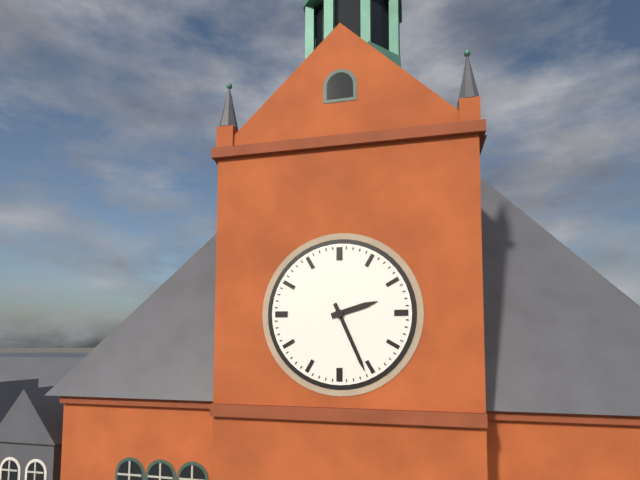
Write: 2:26
